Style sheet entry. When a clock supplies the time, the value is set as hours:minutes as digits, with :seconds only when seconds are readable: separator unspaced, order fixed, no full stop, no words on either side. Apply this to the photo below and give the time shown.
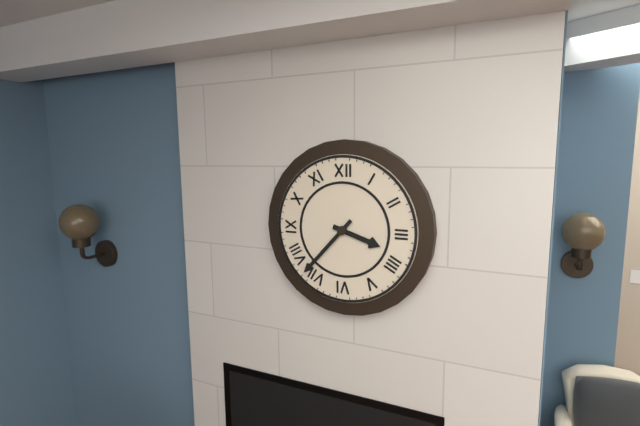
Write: 3:37
